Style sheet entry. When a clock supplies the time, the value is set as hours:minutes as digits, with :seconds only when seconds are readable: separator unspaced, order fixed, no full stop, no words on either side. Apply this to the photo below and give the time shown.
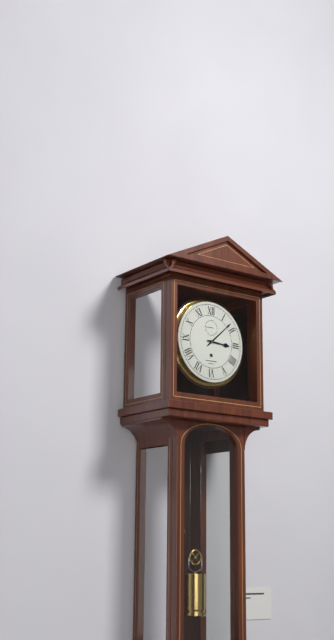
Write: 3:08
